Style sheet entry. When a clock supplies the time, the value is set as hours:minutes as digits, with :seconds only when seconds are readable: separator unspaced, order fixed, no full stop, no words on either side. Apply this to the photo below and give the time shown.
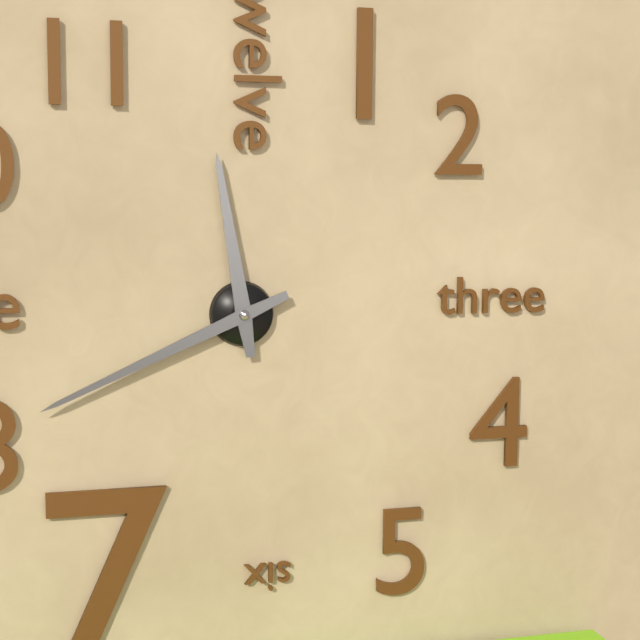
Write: 11:41
